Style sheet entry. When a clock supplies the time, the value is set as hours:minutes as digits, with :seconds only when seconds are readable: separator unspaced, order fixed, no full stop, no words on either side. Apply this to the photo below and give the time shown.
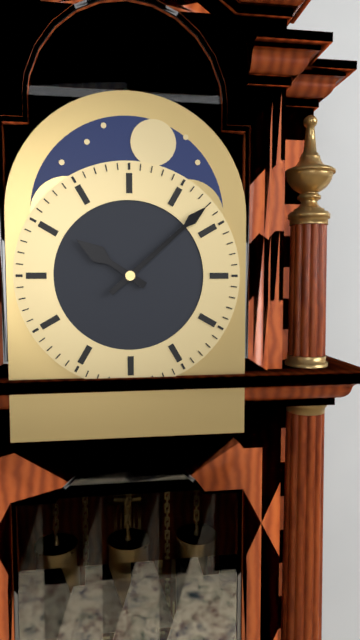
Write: 10:08
